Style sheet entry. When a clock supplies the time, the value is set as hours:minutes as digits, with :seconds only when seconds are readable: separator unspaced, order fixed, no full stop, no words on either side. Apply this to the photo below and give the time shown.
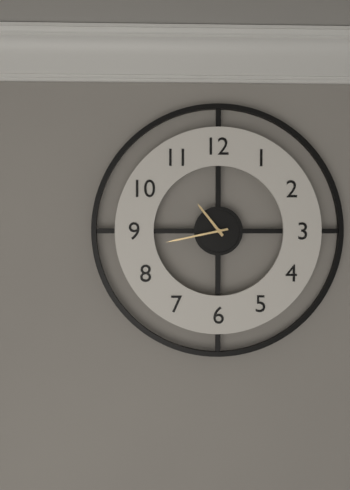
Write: 10:43
